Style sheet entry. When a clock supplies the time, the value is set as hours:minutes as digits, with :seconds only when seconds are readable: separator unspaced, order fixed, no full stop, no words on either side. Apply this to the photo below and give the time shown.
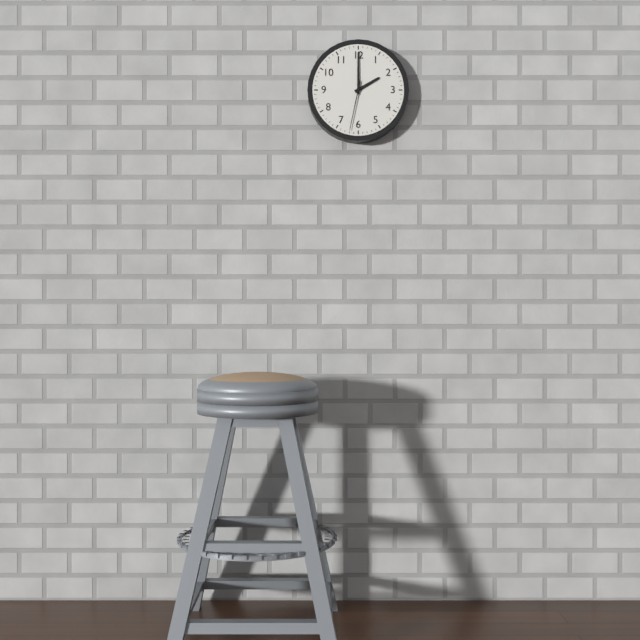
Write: 2:00:32
